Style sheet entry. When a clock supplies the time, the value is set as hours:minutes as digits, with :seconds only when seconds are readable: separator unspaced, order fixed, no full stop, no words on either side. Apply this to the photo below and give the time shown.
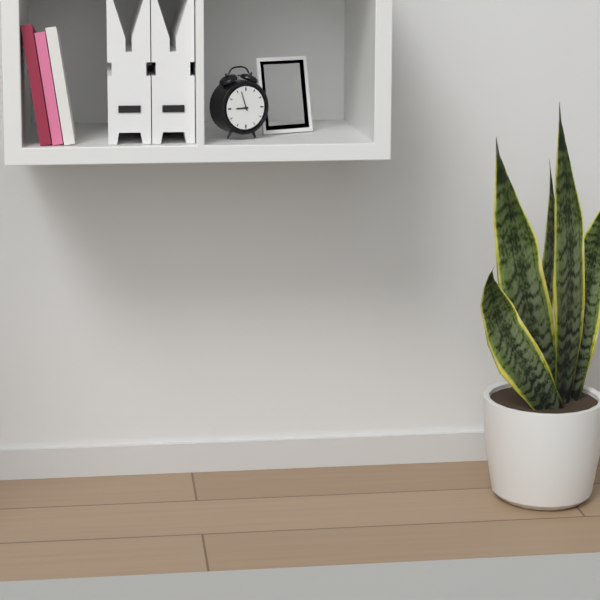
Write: 8:57
